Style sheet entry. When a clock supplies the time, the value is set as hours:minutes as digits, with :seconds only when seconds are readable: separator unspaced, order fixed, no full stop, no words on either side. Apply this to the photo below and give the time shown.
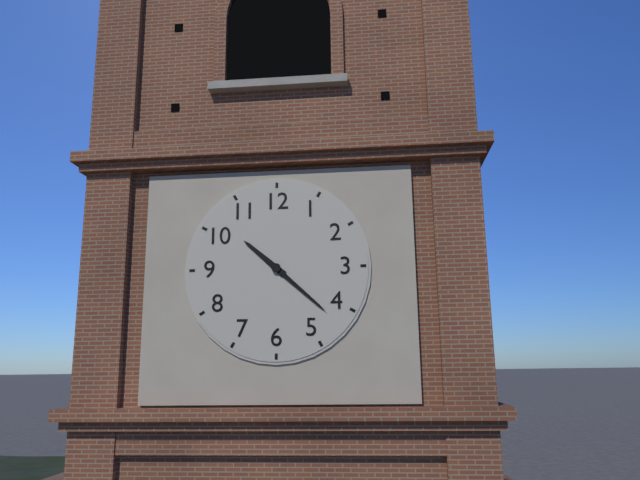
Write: 10:22
